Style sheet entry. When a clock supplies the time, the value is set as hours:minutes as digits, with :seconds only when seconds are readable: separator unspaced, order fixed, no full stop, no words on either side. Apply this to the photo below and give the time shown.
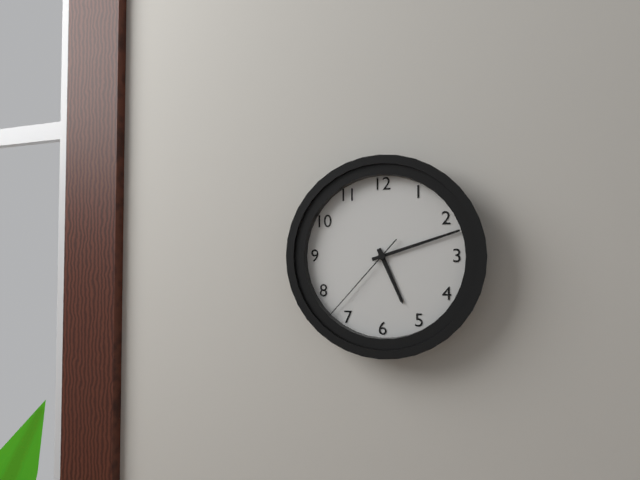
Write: 5:12:37
